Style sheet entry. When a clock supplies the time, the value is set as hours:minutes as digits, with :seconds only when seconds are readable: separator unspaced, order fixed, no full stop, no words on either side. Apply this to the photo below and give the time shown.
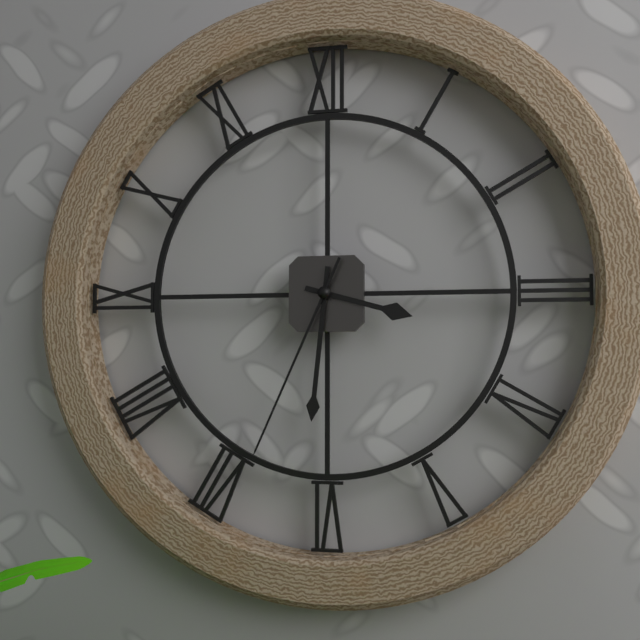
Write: 3:31:34
